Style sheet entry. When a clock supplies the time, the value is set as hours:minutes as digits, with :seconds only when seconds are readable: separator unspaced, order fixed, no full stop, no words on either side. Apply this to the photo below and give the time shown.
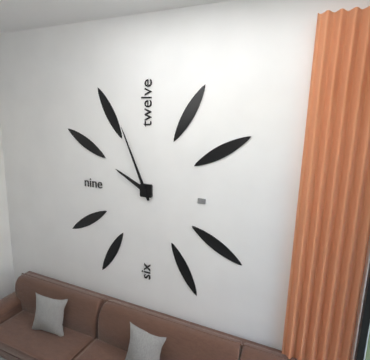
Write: 9:56
